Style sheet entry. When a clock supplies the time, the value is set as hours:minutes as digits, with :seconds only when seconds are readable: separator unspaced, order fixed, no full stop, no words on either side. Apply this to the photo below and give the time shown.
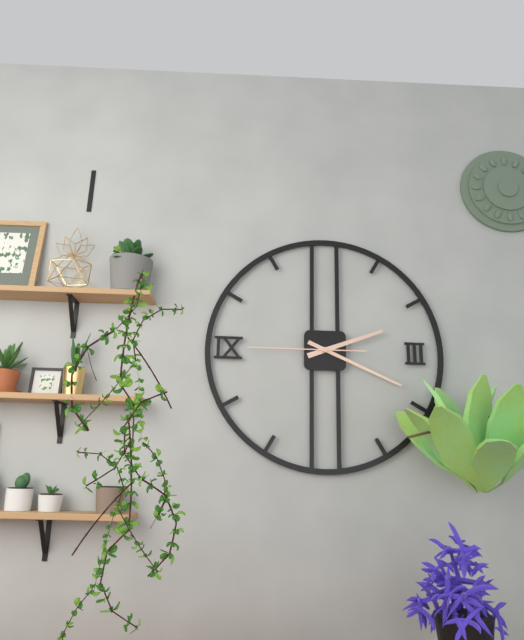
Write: 2:19:45
